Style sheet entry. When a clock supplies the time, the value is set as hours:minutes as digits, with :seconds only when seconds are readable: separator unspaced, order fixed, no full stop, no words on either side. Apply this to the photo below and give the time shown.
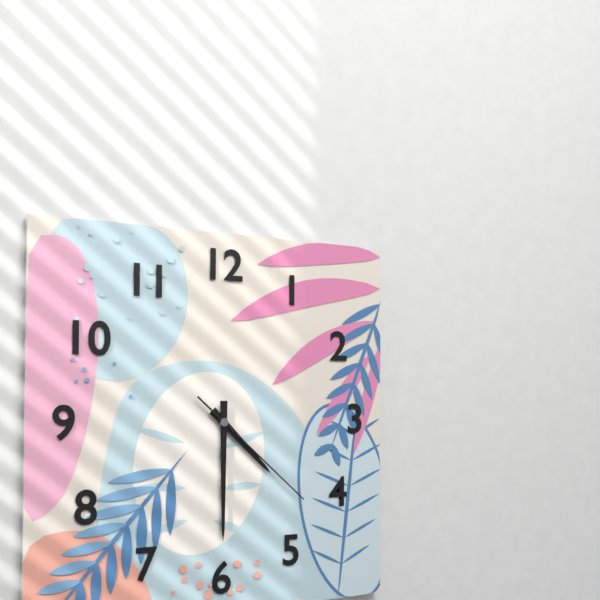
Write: 4:30:22
